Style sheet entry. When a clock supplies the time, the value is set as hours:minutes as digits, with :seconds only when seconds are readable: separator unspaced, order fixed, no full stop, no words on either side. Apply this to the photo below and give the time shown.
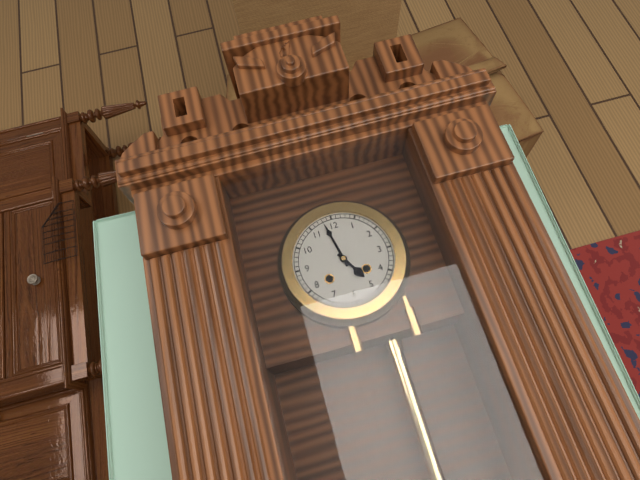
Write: 4:58
